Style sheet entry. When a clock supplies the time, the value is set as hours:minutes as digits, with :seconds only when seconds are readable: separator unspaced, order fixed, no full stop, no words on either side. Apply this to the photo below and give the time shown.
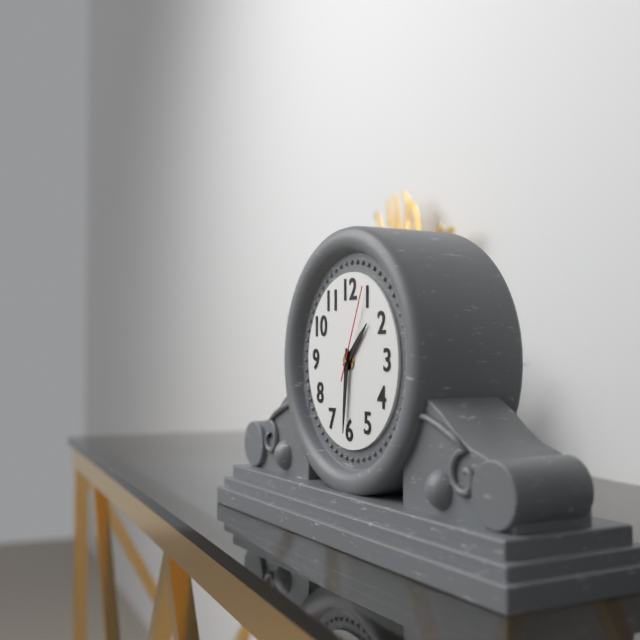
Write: 1:31:04
